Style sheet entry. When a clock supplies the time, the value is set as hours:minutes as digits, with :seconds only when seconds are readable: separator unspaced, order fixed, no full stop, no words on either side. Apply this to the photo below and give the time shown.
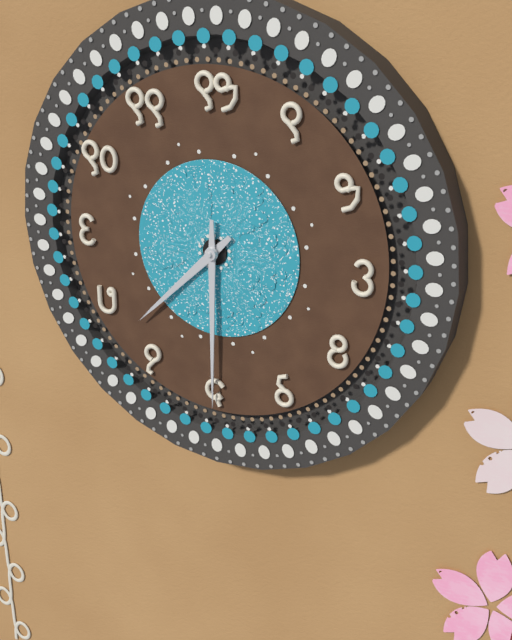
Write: 7:30
